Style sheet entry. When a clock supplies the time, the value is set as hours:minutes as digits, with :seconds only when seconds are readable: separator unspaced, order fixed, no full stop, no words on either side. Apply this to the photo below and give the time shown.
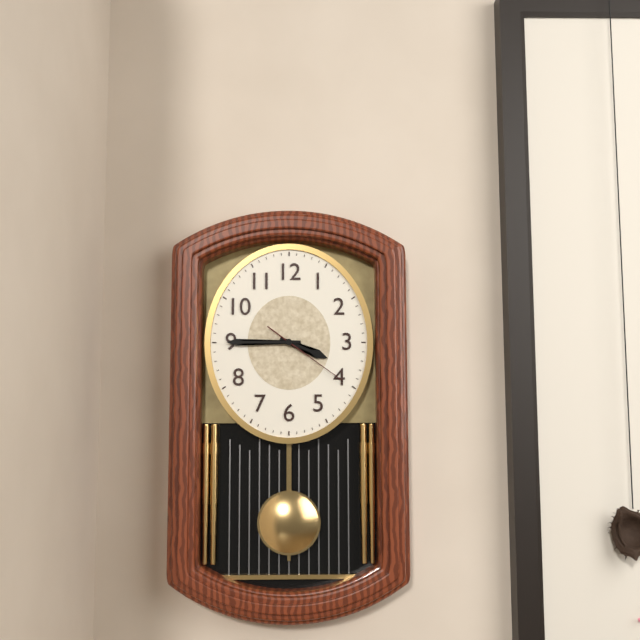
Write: 3:45:21
